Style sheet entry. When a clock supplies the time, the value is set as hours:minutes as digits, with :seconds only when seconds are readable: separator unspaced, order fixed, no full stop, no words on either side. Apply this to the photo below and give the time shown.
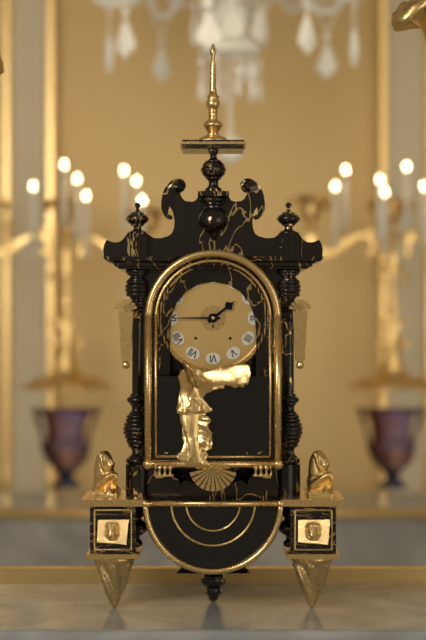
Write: 1:45
